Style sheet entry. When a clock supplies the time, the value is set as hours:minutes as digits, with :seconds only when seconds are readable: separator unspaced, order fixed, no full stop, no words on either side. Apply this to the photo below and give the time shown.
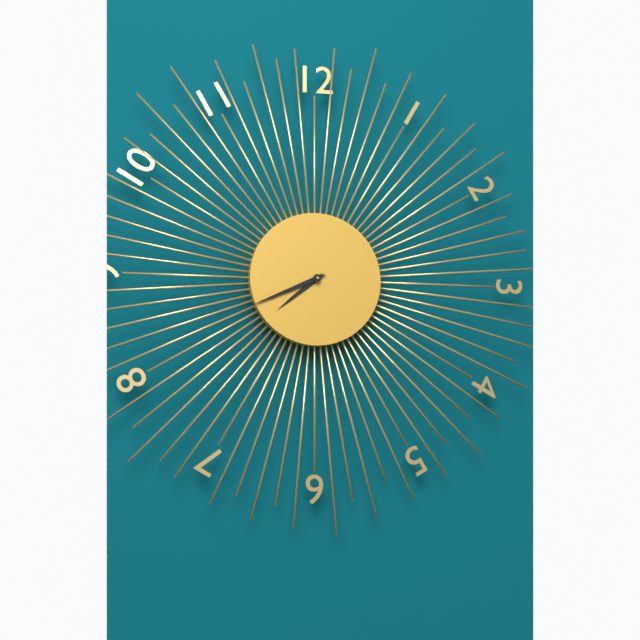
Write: 7:41
